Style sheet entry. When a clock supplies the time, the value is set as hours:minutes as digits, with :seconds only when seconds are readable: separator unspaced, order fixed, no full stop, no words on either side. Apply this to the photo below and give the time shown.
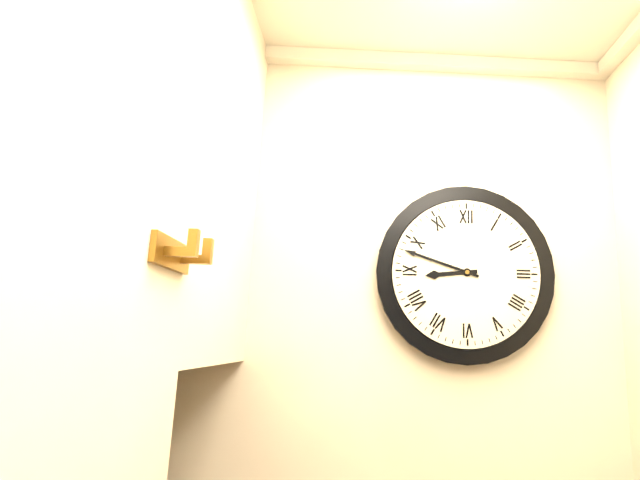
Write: 8:48
